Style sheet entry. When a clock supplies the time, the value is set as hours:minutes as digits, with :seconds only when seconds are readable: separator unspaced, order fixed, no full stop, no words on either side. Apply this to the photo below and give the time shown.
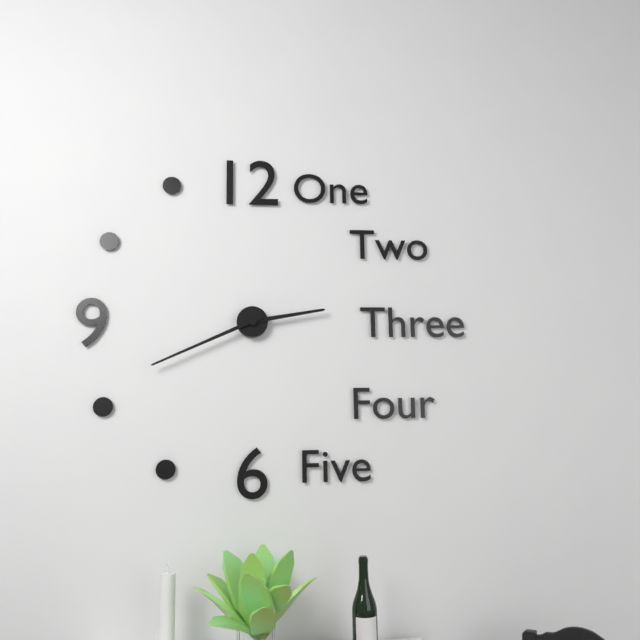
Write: 2:41
